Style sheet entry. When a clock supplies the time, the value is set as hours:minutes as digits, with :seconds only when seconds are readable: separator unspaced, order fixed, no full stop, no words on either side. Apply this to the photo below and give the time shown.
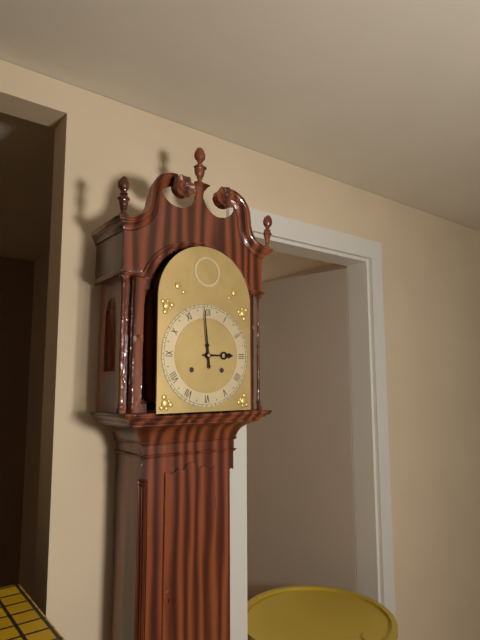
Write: 2:59
